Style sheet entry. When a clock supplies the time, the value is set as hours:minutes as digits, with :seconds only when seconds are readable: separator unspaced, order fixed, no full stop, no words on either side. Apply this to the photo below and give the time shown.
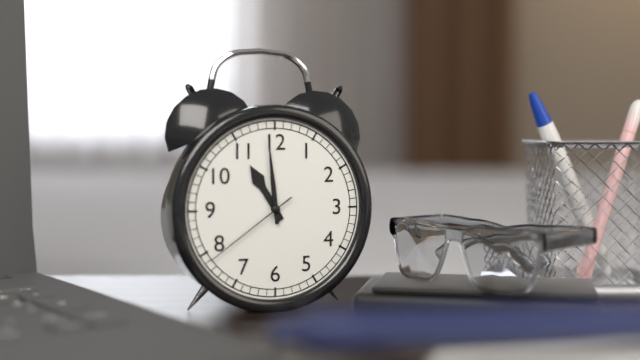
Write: 10:59:39
